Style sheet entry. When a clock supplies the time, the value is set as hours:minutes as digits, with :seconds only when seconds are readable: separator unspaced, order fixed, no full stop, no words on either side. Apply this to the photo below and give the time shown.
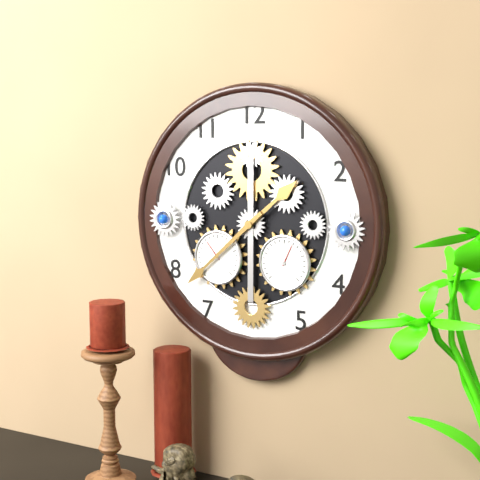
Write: 1:38
